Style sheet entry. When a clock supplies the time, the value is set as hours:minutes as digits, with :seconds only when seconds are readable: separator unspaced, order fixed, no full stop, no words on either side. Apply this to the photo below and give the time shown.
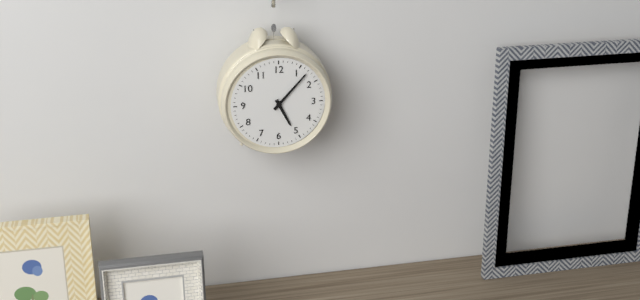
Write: 5:07
